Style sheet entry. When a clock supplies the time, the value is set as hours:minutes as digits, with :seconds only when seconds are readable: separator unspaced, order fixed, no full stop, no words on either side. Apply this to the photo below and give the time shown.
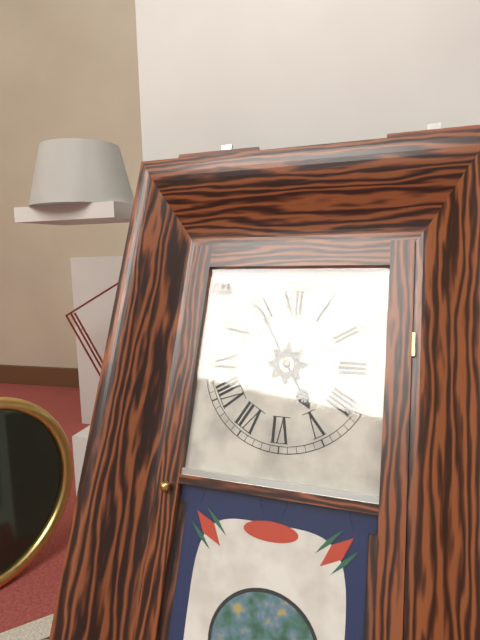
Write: 4:55
